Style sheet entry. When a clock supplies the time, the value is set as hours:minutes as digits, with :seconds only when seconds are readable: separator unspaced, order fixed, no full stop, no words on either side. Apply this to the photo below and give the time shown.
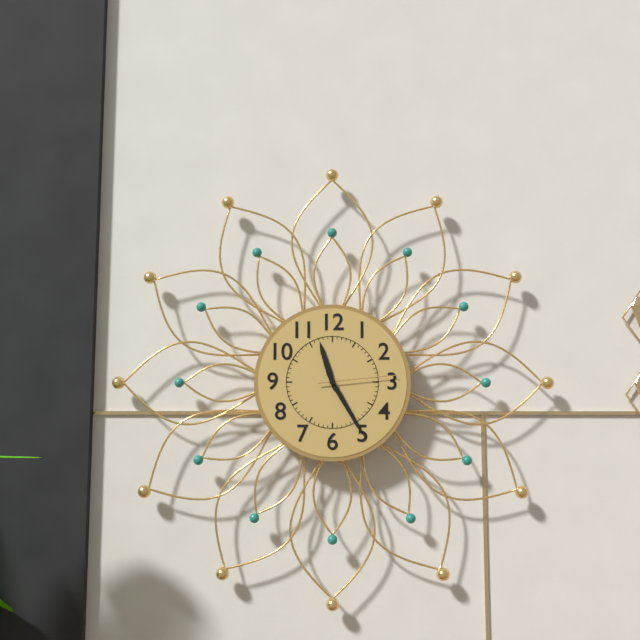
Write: 11:25:14
